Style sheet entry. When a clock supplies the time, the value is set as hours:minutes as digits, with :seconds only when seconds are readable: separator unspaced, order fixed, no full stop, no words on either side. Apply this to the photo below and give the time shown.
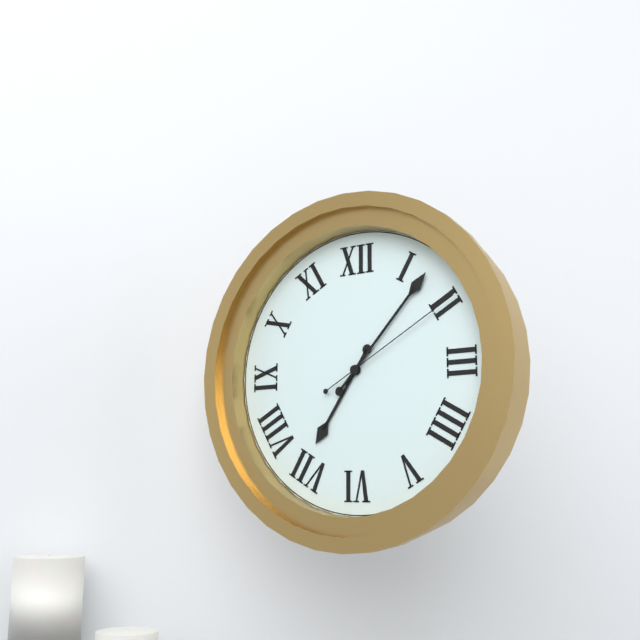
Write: 7:07:10
